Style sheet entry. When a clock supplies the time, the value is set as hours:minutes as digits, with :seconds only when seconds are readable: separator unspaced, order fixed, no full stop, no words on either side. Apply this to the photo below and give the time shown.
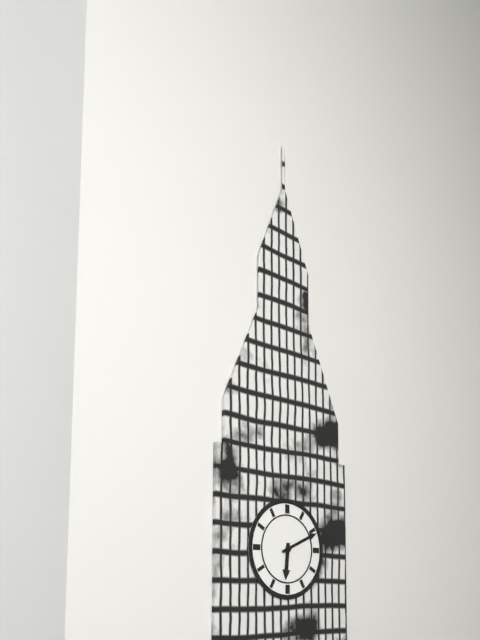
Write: 6:11
